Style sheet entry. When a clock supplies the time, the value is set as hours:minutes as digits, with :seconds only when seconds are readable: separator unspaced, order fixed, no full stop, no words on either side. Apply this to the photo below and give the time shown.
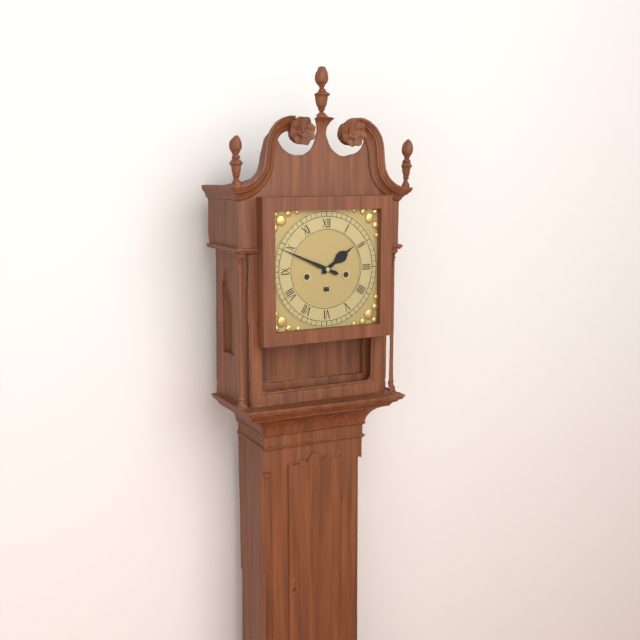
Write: 1:49
